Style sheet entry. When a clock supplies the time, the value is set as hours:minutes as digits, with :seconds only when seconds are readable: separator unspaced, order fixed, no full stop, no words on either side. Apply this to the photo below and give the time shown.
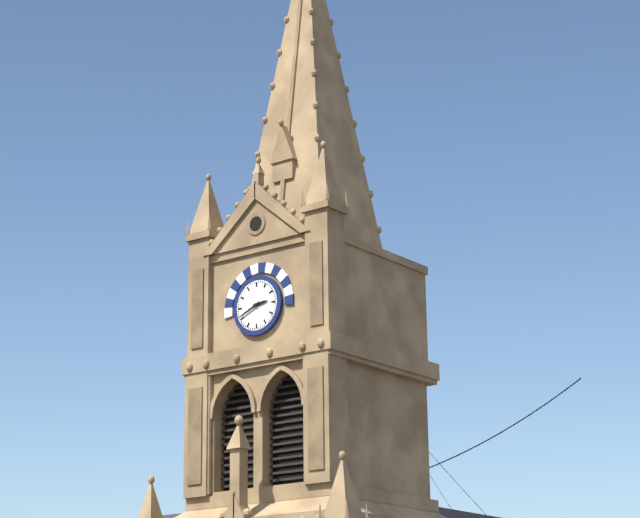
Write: 2:41
